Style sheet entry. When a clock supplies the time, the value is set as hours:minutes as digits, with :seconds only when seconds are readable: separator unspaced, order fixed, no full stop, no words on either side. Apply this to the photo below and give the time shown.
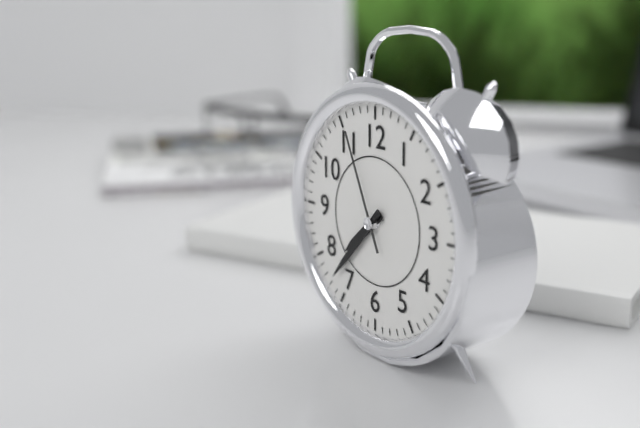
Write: 7:37:56
